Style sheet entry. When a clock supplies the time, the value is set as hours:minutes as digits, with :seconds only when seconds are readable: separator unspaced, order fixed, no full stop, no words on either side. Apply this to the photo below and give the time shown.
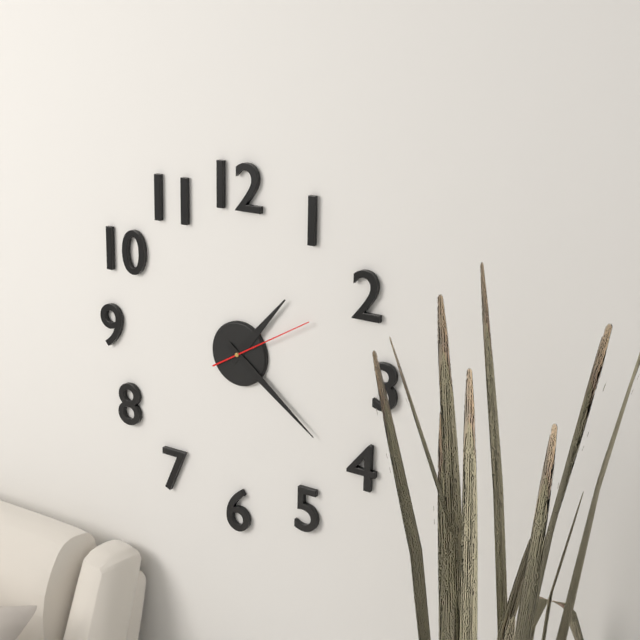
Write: 1:21:10
